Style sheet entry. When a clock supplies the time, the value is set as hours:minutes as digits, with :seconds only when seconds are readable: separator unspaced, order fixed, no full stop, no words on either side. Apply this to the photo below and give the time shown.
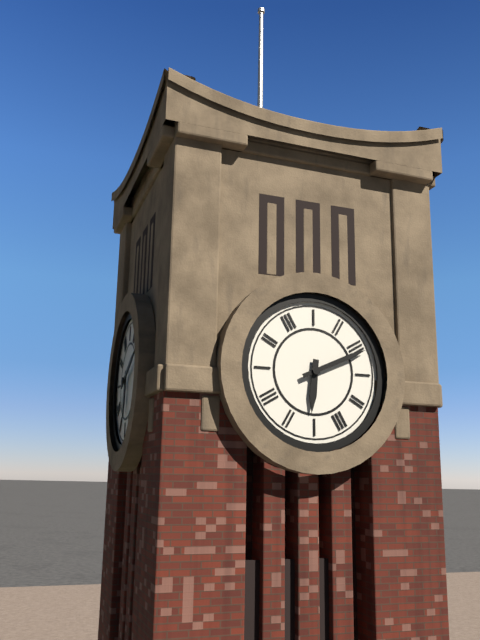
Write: 6:11
